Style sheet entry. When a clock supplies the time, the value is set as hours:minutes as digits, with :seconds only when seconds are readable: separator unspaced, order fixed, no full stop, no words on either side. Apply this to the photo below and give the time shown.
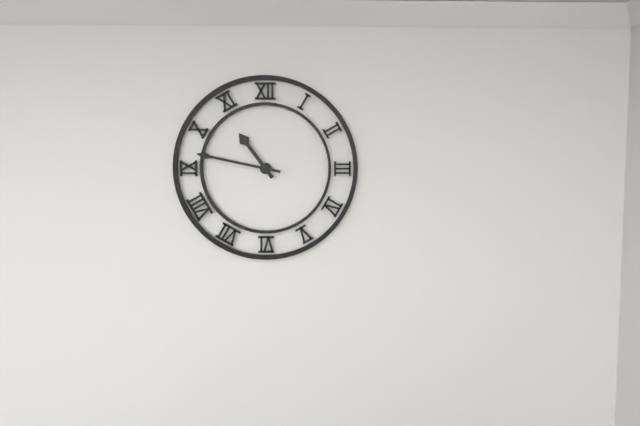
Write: 10:47
